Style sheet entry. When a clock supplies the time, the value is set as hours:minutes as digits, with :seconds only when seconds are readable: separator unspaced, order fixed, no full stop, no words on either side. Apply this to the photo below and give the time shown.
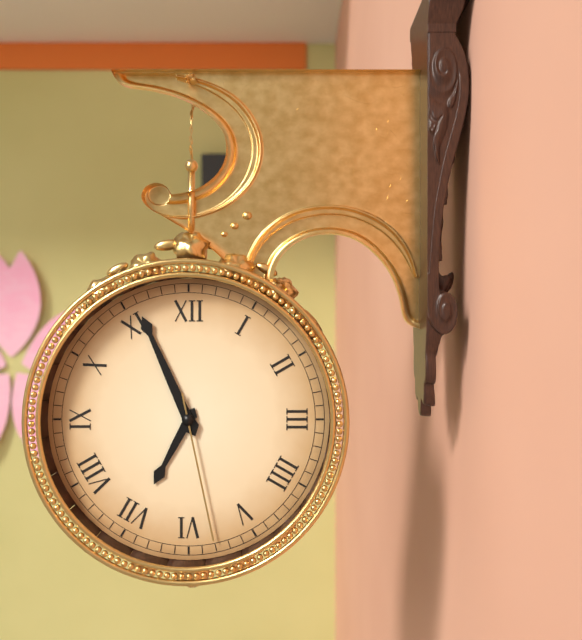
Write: 6:56:28
